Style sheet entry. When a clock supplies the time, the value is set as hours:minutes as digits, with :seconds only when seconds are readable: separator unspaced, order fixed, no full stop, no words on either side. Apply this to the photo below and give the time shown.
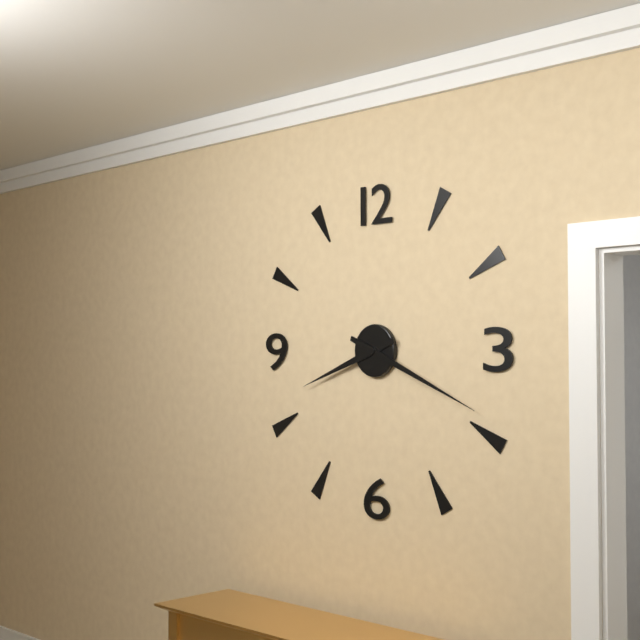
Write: 8:19
